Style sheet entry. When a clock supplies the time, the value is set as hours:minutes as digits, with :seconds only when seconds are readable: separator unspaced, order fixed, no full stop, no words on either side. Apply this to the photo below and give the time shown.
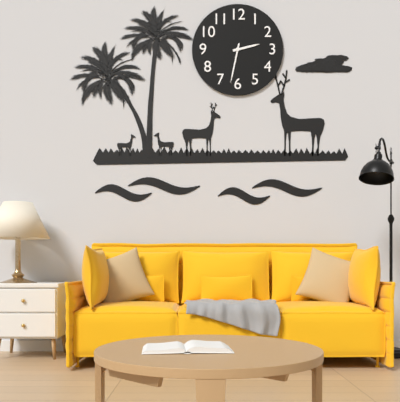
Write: 2:32
